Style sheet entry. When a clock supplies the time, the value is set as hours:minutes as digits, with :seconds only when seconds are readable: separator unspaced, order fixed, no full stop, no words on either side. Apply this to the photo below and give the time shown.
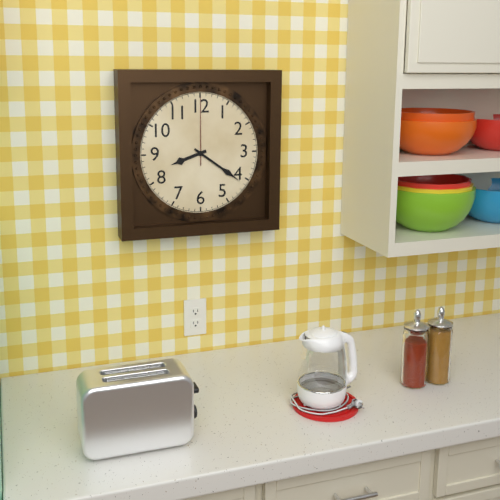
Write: 8:21:00
